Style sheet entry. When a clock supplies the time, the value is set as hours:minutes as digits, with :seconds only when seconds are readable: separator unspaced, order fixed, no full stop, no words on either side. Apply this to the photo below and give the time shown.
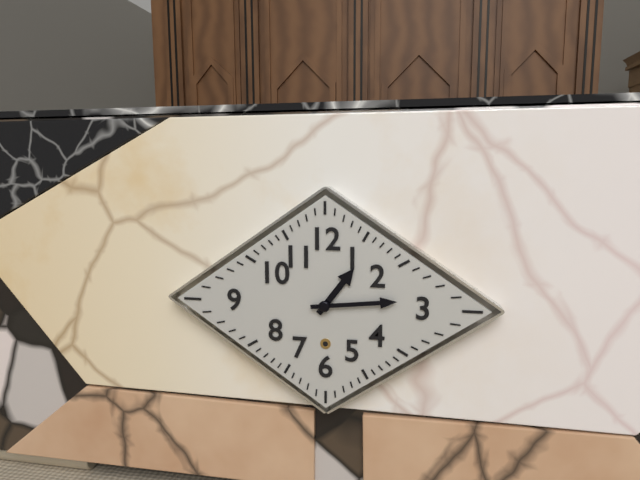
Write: 1:14
